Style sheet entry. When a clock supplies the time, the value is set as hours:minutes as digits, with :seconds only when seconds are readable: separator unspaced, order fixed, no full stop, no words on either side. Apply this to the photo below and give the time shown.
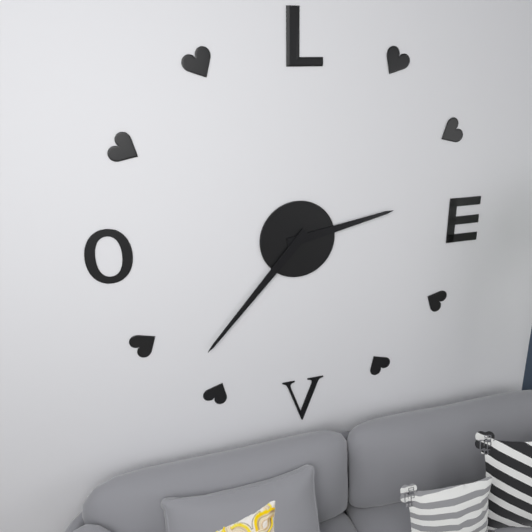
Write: 2:37
